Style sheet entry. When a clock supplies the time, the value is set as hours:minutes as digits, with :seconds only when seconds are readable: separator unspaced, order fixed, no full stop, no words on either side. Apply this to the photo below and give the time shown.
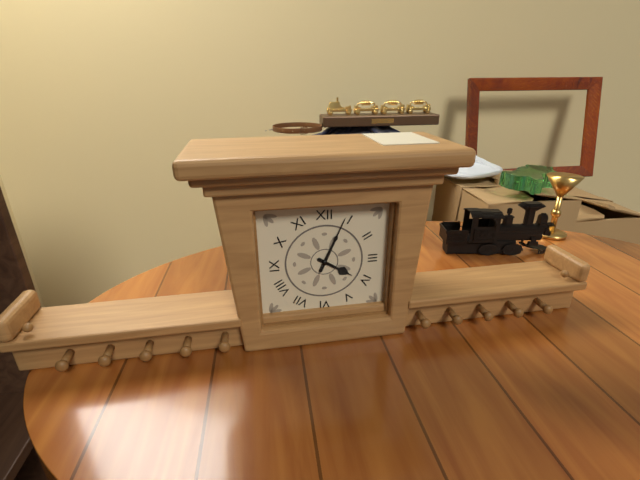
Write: 4:04
